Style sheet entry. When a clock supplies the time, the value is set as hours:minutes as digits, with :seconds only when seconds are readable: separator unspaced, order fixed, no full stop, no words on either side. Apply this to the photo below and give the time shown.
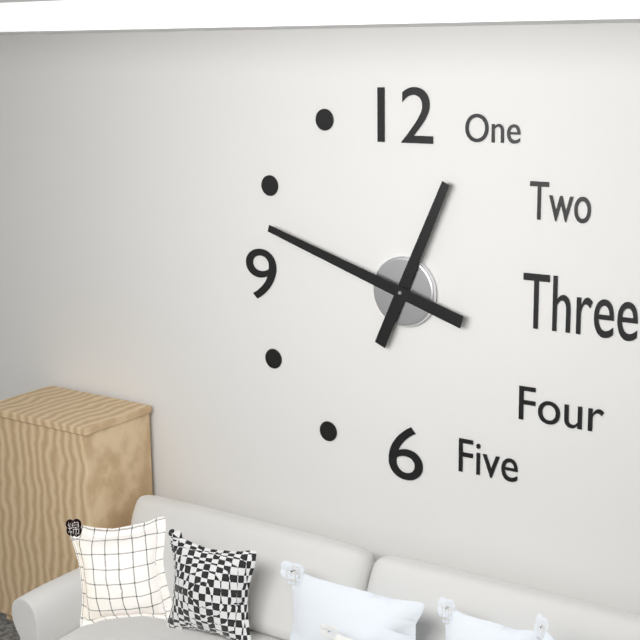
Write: 12:48
